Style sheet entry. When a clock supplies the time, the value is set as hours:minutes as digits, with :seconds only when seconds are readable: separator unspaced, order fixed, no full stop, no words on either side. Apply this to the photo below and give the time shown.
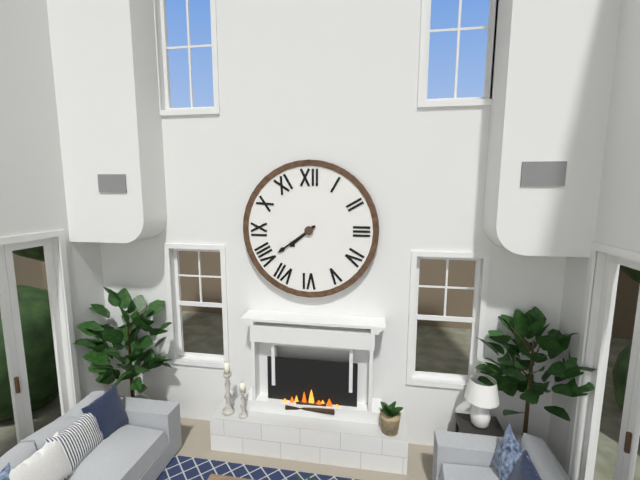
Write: 7:39
